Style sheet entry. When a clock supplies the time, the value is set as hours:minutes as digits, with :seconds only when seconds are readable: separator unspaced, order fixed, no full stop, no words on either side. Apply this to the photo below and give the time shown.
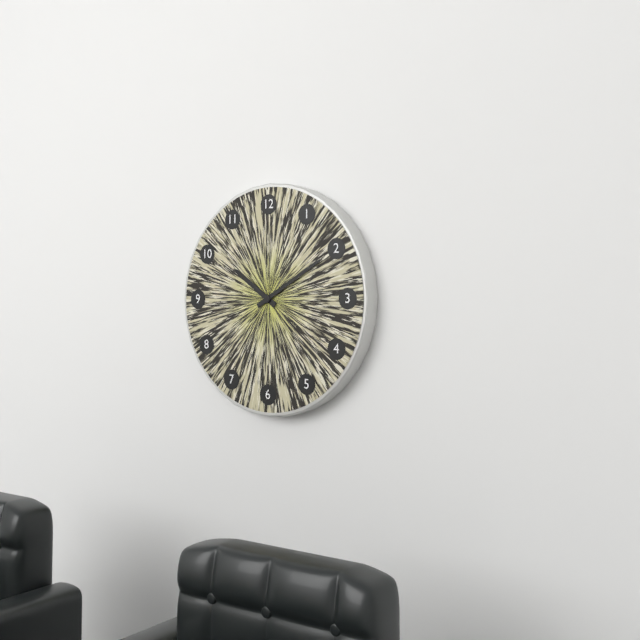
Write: 10:10
